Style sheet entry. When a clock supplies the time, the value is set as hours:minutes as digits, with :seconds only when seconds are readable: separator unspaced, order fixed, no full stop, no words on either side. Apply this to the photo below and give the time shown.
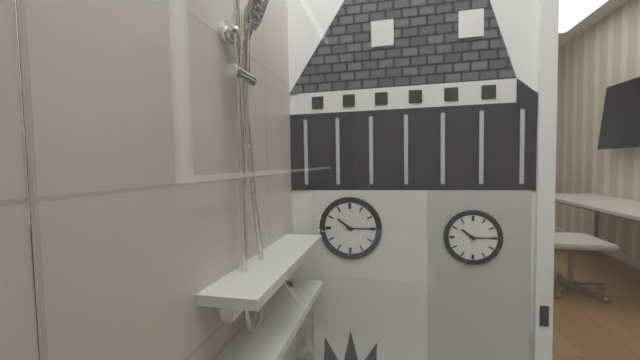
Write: 10:15
